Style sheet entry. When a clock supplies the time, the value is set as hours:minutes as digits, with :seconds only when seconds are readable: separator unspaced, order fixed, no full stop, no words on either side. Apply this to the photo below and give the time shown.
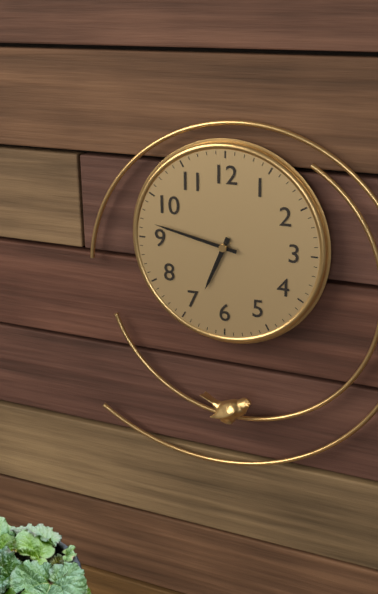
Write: 6:47
